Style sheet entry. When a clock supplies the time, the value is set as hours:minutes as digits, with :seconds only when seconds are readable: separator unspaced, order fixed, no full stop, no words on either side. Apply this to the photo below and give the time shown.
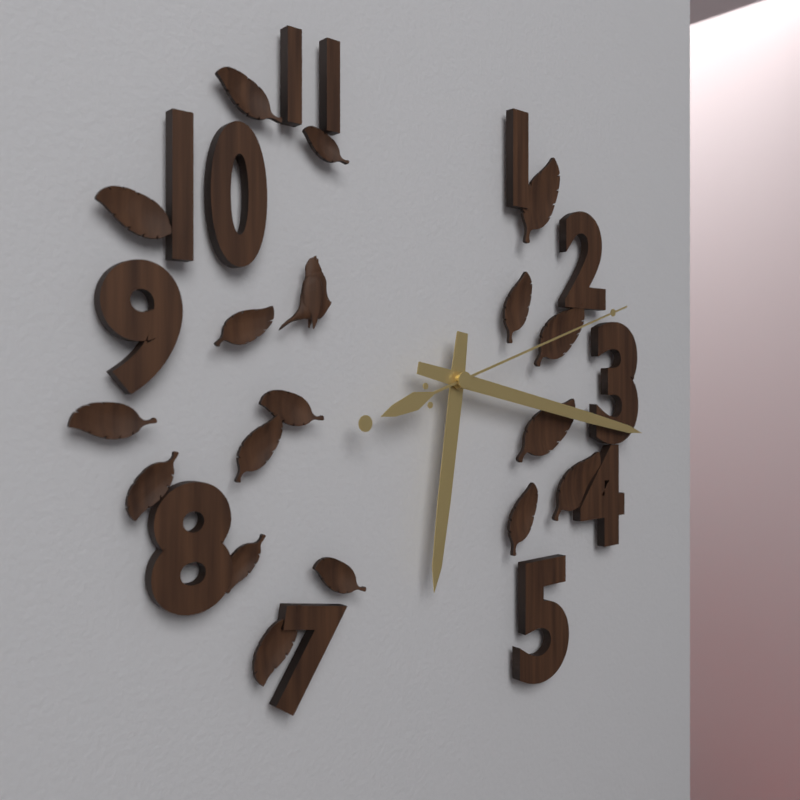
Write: 6:17:12
